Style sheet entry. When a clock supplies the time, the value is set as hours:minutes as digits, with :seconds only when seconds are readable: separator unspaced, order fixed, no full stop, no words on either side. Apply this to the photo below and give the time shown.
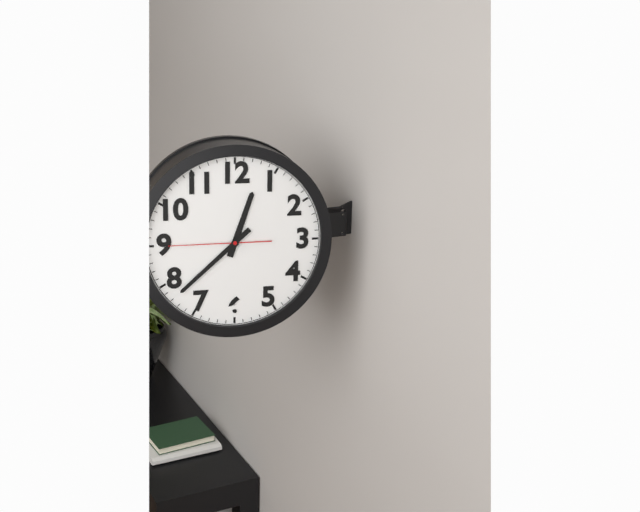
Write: 12:38:45
